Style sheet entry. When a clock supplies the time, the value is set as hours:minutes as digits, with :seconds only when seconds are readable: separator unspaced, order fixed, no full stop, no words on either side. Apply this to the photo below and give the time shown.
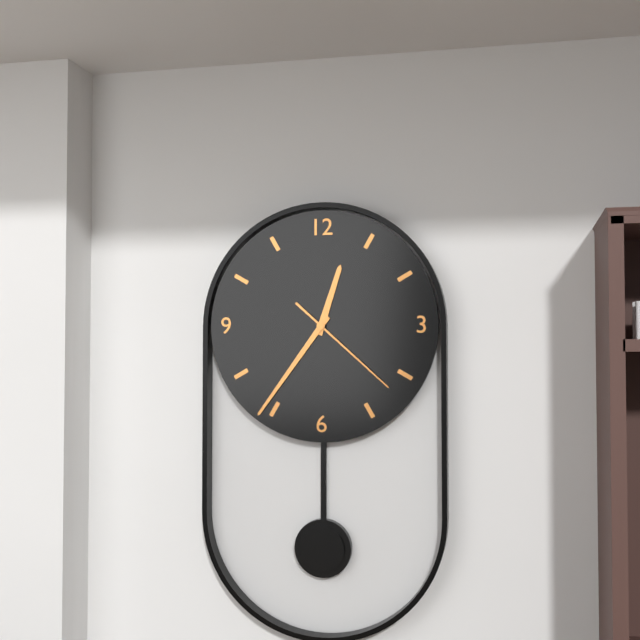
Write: 12:36:22
